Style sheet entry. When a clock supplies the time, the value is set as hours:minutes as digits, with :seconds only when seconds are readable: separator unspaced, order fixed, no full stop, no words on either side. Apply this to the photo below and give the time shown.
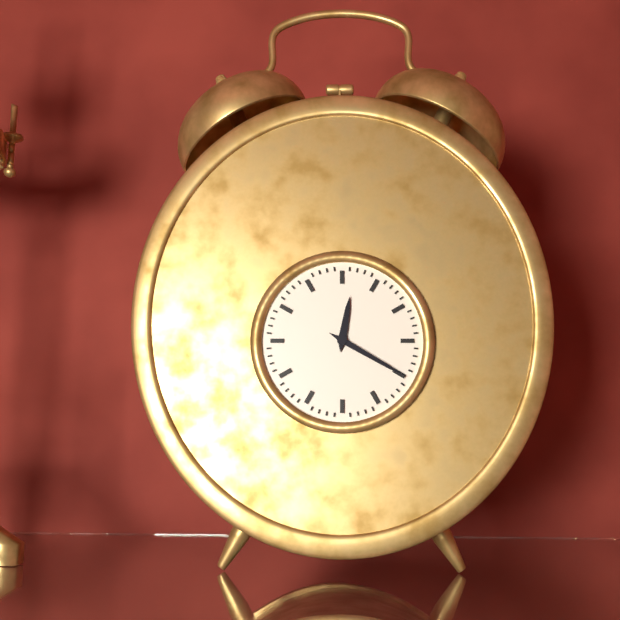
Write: 12:20
